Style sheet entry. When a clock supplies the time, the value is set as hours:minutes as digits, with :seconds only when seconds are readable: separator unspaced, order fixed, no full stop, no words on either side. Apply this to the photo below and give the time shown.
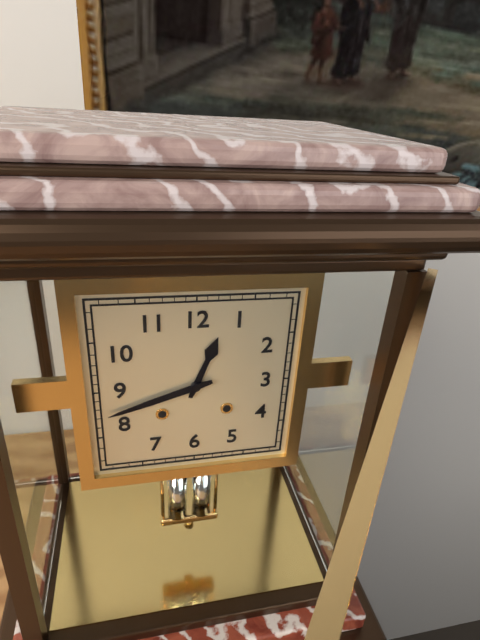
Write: 12:42
